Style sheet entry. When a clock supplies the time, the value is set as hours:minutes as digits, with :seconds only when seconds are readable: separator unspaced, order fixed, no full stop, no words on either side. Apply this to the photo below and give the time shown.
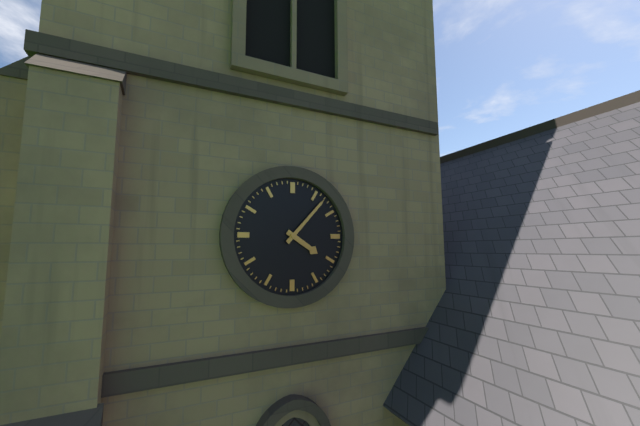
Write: 4:07
